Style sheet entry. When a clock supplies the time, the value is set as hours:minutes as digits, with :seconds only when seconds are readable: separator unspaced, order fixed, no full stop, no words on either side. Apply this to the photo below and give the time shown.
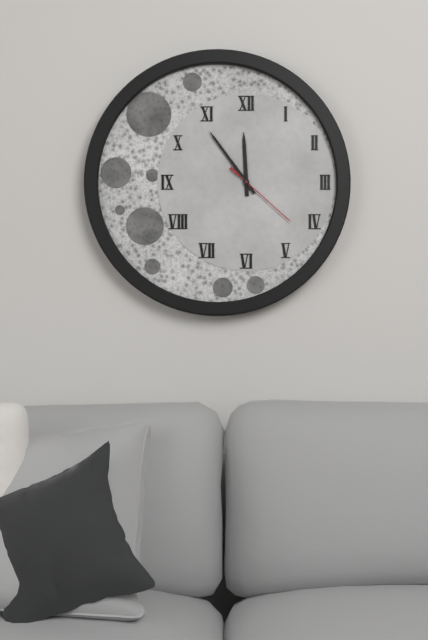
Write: 11:54:22
